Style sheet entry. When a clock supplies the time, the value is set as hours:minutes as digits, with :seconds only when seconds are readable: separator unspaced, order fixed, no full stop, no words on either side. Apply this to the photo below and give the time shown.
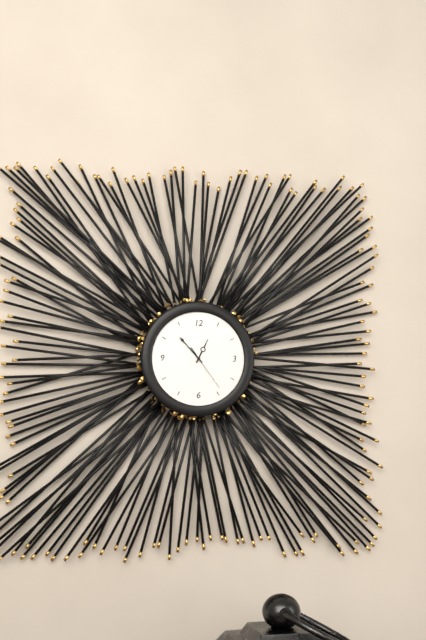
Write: 12:53
